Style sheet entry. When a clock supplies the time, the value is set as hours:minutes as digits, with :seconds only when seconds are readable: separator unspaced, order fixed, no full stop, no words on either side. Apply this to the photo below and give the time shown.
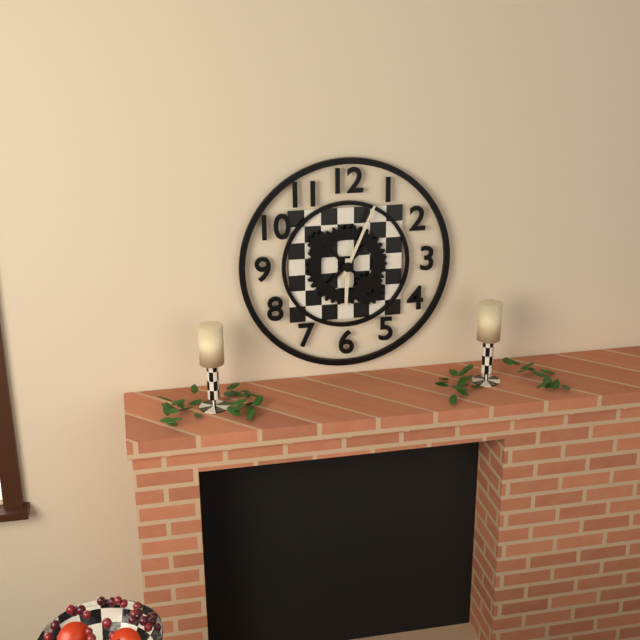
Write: 6:04
